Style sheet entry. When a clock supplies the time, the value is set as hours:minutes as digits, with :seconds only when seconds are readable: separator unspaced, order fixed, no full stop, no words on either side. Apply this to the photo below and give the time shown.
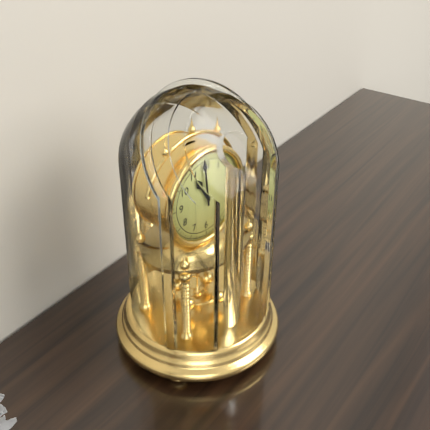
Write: 10:59
